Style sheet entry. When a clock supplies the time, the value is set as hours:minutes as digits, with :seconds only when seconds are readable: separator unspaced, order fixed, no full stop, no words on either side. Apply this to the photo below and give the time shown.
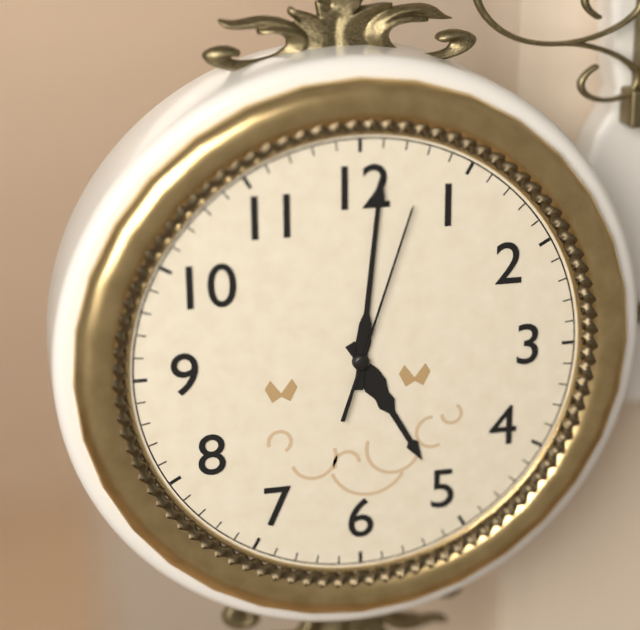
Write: 5:01:03
